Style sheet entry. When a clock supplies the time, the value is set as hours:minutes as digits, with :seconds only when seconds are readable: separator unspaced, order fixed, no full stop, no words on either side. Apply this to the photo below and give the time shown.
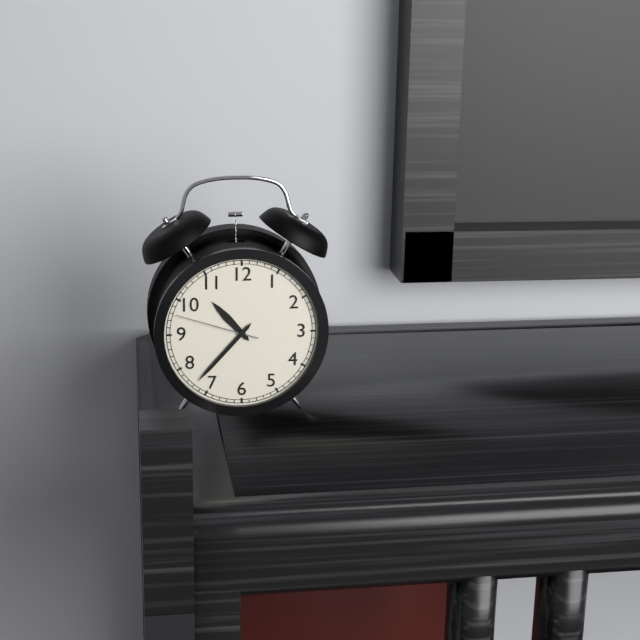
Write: 10:37:48
